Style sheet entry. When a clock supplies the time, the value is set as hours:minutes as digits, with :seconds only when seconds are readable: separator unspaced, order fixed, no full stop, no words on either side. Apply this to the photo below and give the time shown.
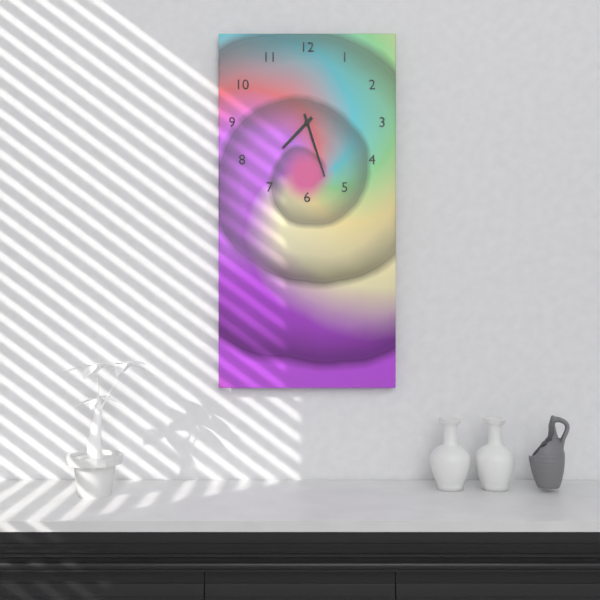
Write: 7:27
